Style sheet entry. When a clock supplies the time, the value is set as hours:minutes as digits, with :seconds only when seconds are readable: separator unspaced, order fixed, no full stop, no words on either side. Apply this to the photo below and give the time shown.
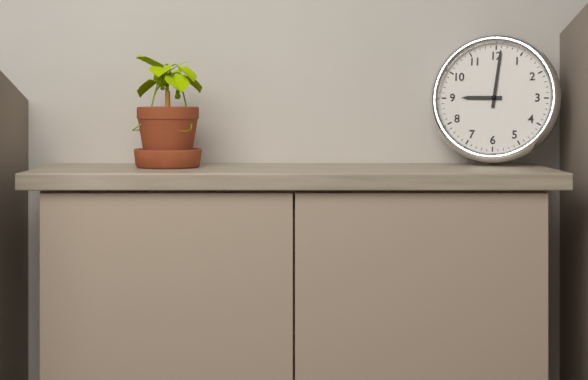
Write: 9:01
